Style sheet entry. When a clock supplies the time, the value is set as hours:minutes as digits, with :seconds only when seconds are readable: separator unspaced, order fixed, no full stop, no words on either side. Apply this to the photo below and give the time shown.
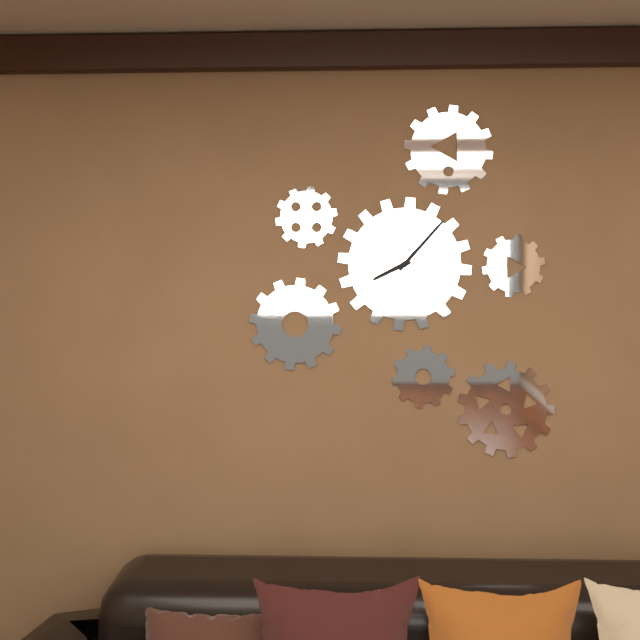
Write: 8:07
